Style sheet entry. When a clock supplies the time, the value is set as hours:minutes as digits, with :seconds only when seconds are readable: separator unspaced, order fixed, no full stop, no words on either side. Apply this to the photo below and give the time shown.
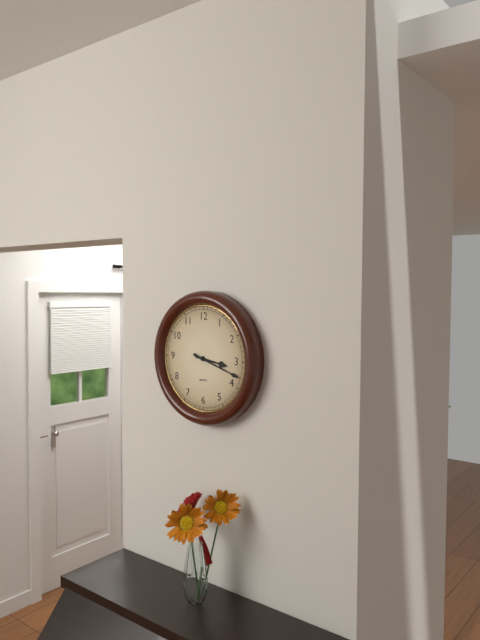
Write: 3:18
